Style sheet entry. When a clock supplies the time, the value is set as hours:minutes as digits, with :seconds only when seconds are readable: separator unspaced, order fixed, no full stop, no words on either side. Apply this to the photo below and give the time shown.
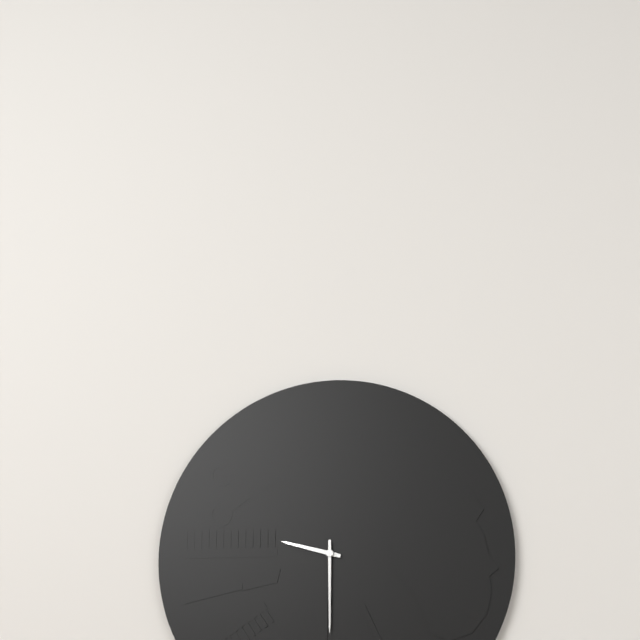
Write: 9:30
